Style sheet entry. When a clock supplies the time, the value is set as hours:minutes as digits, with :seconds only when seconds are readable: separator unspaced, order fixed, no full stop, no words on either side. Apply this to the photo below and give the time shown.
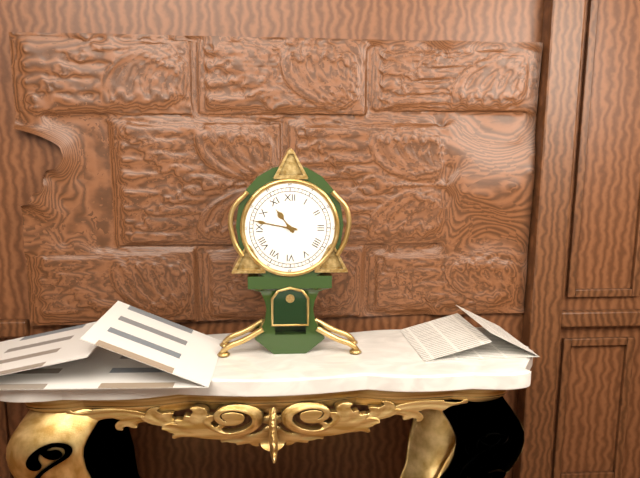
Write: 10:47
